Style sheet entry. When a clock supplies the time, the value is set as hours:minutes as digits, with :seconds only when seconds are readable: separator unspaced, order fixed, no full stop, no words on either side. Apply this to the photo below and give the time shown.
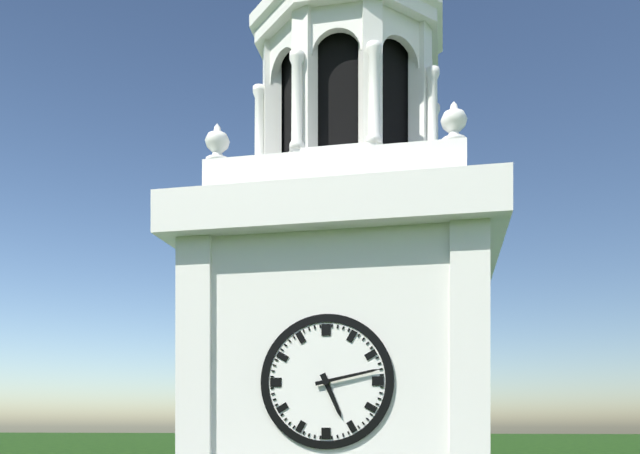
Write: 5:13
